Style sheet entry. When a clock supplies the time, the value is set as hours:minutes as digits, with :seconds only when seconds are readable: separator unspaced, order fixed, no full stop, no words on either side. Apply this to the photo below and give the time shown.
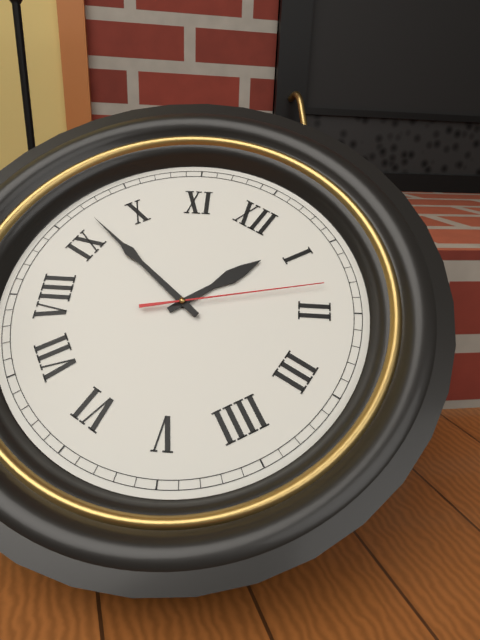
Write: 12:47:08
